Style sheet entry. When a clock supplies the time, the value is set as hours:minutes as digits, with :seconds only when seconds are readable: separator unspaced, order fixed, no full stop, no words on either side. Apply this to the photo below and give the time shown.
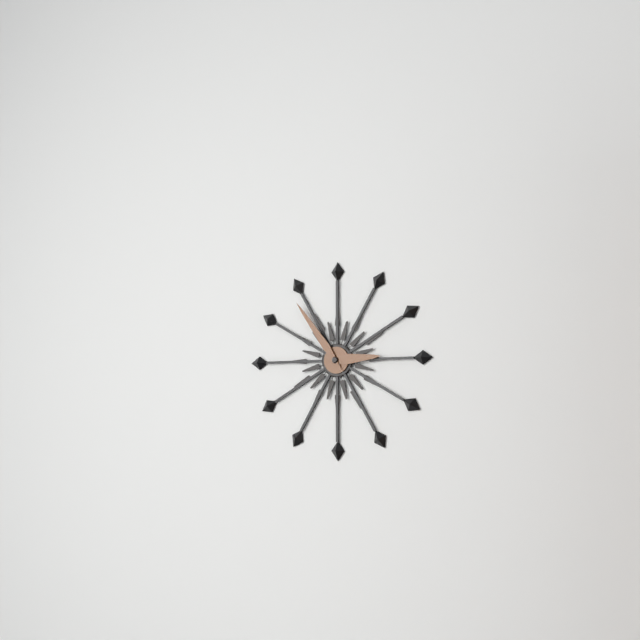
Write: 2:54
